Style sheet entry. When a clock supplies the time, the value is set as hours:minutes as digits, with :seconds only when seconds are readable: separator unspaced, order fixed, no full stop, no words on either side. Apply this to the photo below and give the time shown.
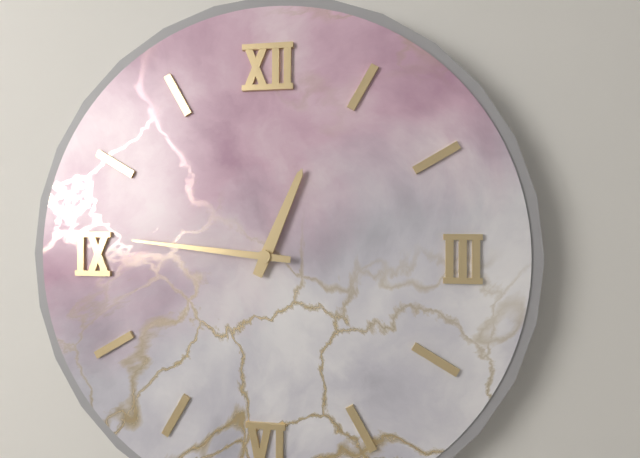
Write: 12:46
